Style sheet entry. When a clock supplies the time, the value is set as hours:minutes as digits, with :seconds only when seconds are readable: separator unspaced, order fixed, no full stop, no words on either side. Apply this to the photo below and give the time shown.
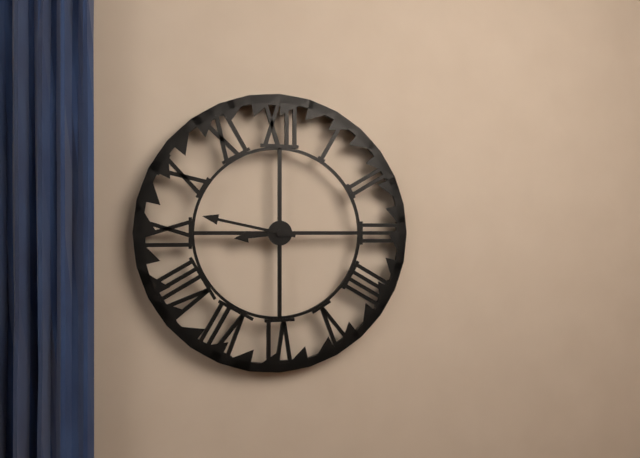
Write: 8:47
